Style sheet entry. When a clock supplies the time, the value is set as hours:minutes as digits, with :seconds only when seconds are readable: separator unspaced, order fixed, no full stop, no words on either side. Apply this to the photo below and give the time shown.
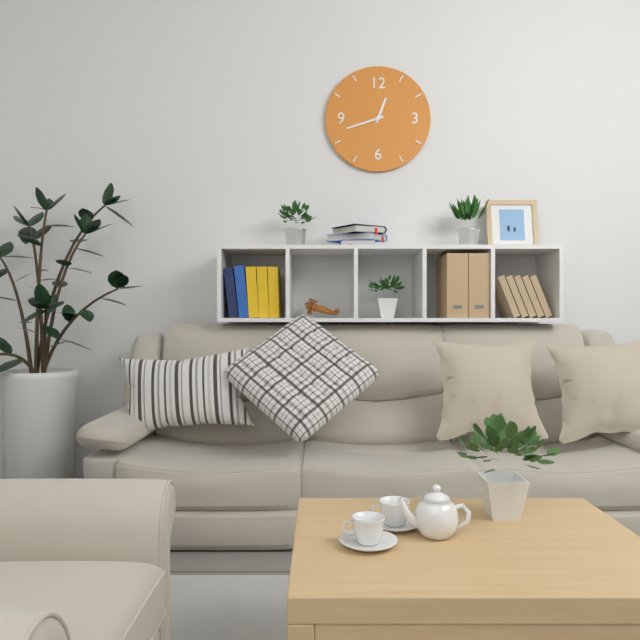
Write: 12:42
